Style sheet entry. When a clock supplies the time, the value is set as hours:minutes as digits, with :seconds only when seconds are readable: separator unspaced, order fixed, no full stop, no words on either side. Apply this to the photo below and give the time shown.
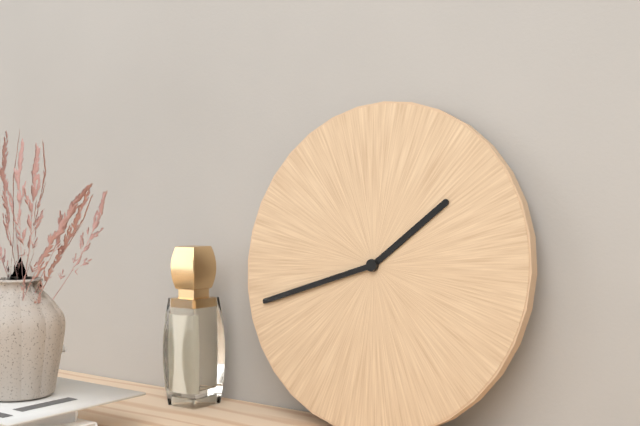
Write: 1:42
